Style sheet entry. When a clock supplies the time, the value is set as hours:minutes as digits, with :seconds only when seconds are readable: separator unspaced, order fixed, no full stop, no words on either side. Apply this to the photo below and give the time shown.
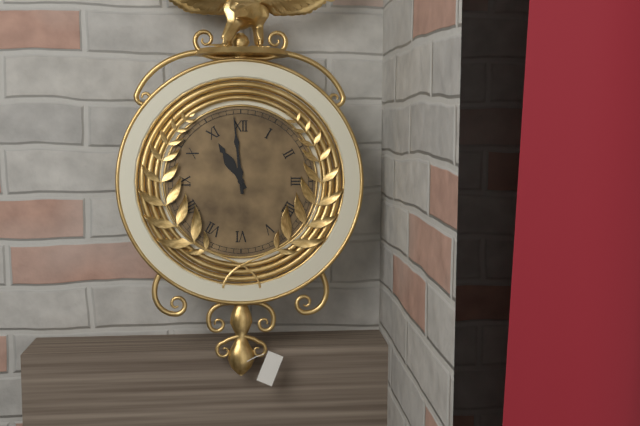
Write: 10:59
